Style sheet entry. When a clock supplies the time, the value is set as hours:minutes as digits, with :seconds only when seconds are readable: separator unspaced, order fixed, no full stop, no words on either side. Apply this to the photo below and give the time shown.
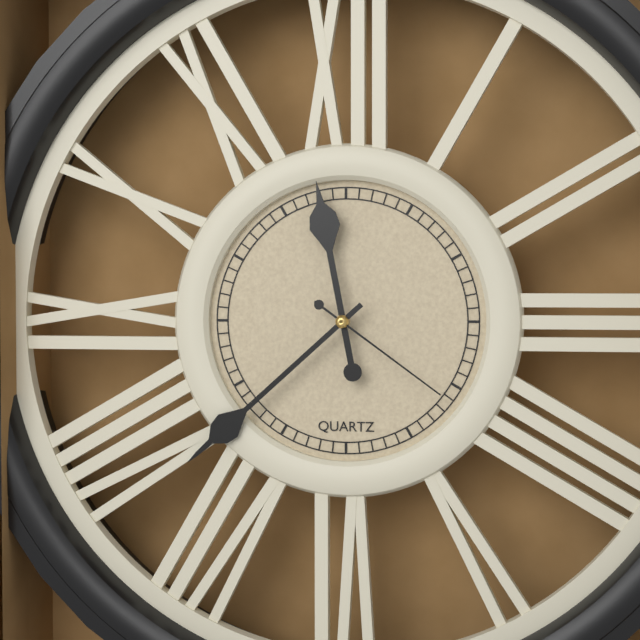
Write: 11:38:21
